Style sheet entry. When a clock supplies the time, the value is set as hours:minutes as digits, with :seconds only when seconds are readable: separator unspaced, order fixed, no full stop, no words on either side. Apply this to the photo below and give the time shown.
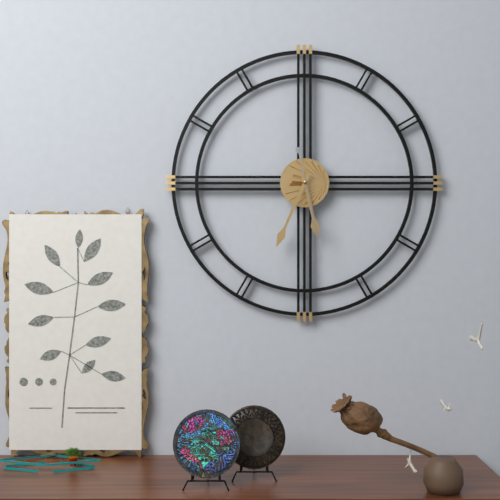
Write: 5:34:28
